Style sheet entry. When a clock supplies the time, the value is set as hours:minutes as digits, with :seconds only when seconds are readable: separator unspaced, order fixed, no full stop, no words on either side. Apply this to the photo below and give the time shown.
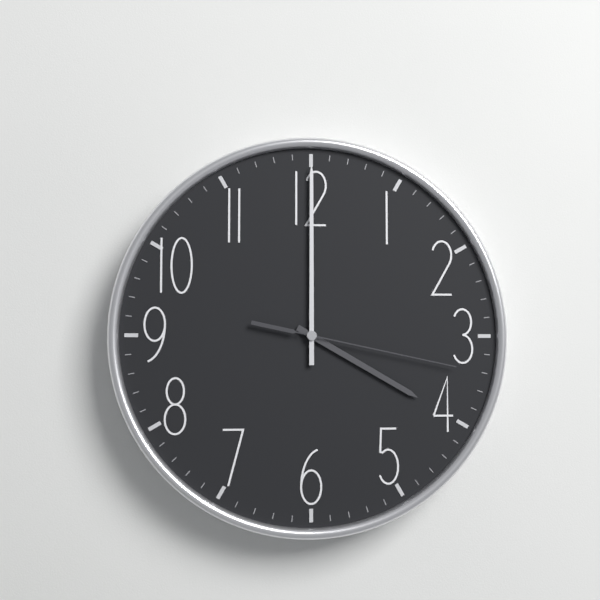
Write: 4:00:17
